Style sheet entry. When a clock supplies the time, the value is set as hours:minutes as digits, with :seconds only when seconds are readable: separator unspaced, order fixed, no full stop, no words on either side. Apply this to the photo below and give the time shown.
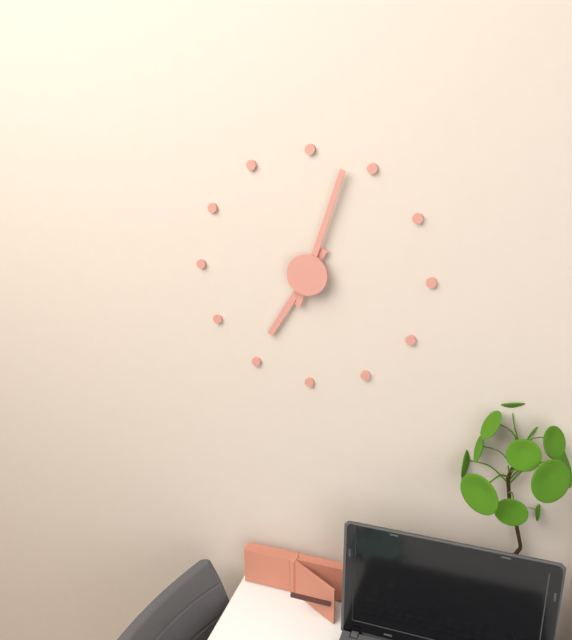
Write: 7:03
